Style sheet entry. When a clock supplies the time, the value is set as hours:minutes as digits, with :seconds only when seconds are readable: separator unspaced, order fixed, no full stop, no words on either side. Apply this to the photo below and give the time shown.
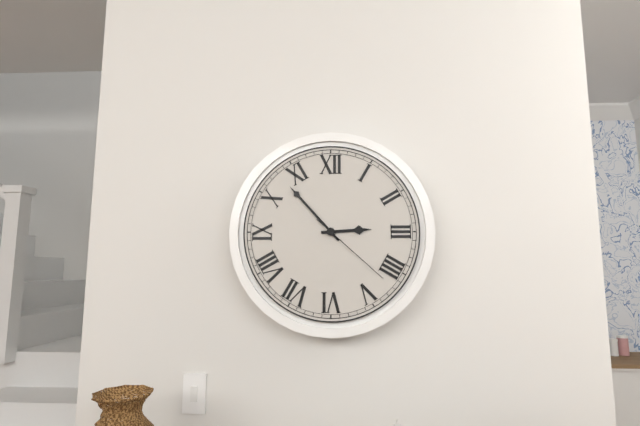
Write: 2:53:22
